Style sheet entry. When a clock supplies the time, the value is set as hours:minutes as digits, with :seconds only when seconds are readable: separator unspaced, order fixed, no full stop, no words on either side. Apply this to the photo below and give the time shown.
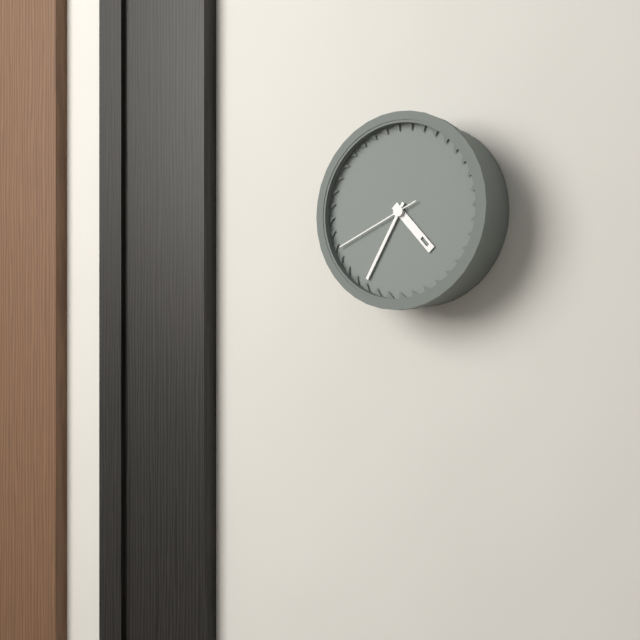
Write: 4:35:41
